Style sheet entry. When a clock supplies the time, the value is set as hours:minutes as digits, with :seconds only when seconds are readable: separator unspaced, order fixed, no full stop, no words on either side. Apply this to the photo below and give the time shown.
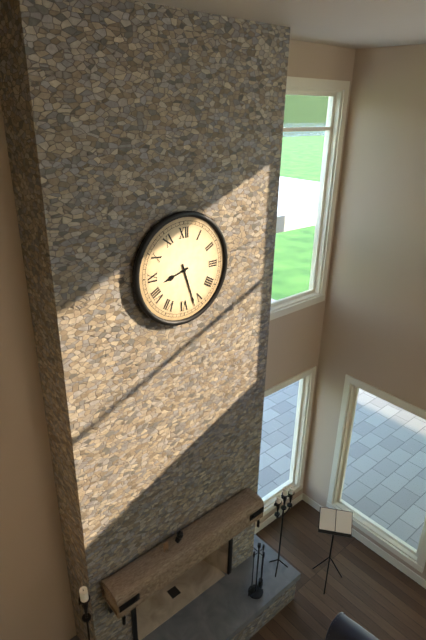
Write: 8:27
